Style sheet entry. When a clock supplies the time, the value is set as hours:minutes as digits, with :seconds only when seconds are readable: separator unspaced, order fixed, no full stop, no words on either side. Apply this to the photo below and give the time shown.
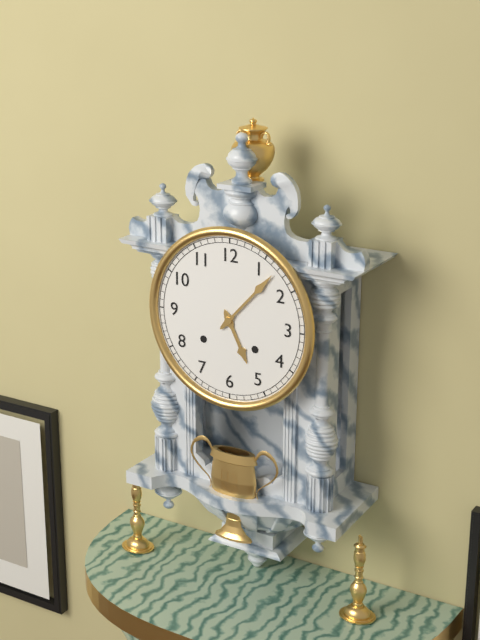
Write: 5:07
